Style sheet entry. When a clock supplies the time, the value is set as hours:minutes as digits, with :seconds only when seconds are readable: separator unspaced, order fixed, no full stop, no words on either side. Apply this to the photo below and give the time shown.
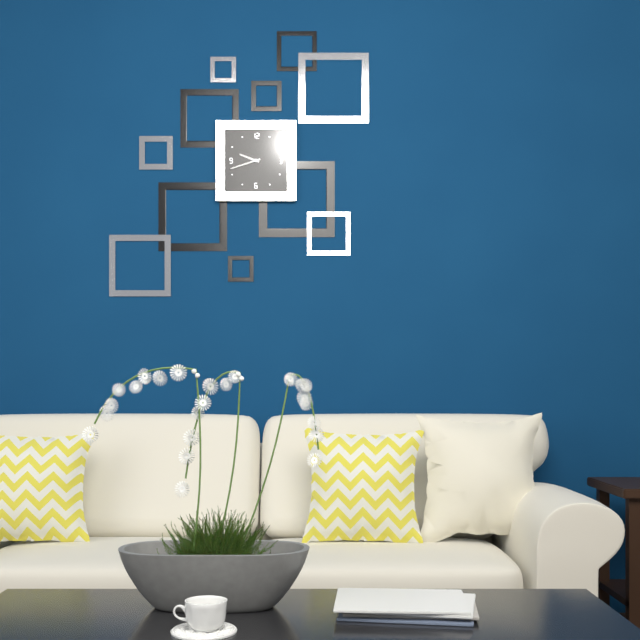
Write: 9:42
